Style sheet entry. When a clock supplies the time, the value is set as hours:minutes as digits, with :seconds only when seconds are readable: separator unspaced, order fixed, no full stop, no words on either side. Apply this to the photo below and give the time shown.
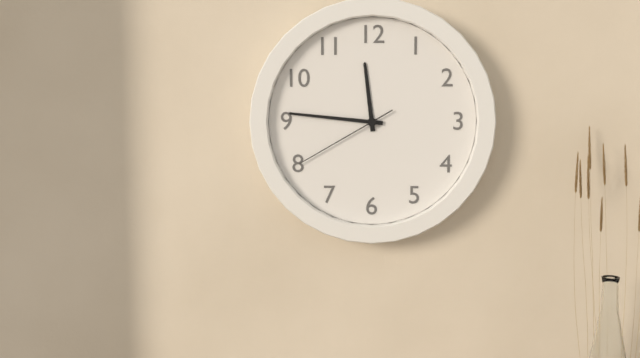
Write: 11:46:40
